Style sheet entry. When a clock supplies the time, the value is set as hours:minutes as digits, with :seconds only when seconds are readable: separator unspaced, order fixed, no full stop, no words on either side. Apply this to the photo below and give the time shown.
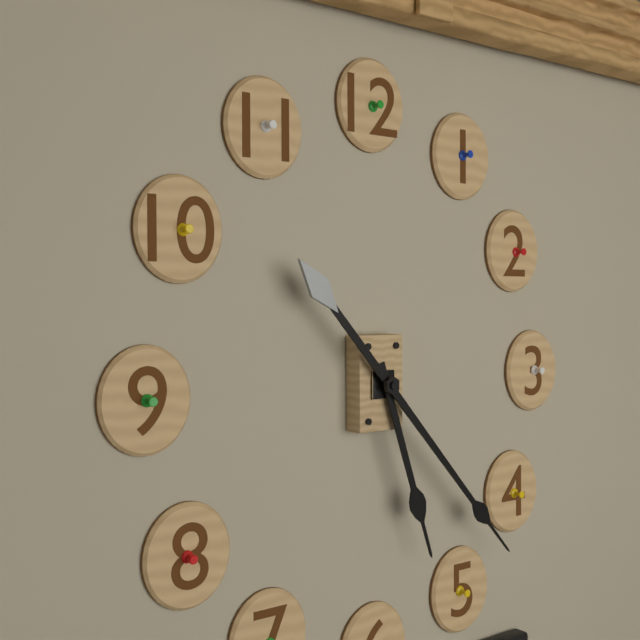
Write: 5:23
